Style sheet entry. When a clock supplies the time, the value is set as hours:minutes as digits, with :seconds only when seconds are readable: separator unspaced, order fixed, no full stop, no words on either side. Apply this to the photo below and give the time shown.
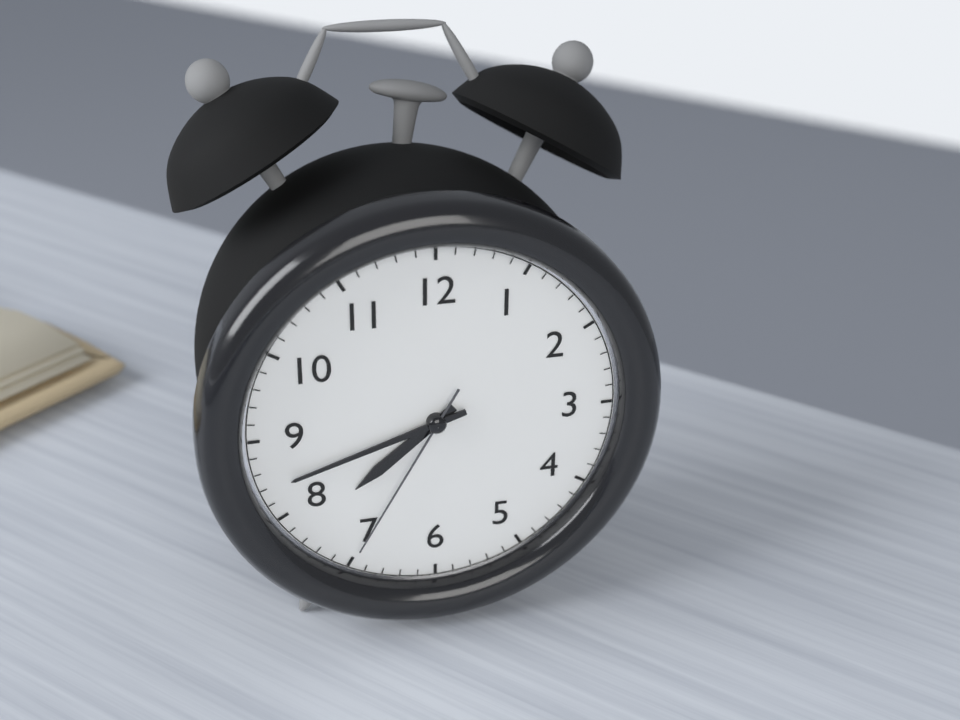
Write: 7:42:35
